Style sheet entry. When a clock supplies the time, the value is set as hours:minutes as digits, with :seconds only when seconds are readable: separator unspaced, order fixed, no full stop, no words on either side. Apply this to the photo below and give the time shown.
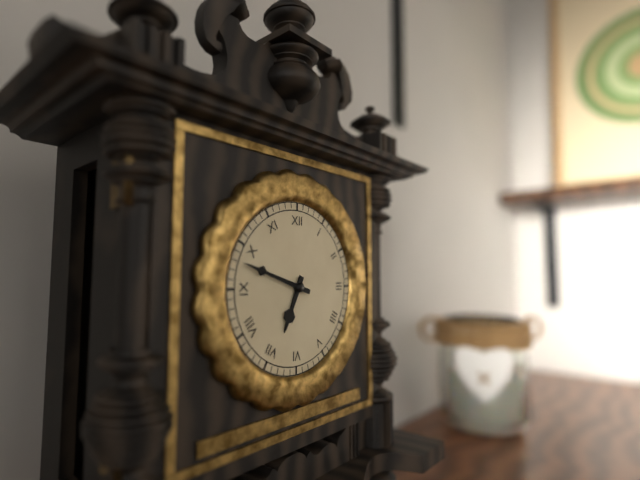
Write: 6:48
